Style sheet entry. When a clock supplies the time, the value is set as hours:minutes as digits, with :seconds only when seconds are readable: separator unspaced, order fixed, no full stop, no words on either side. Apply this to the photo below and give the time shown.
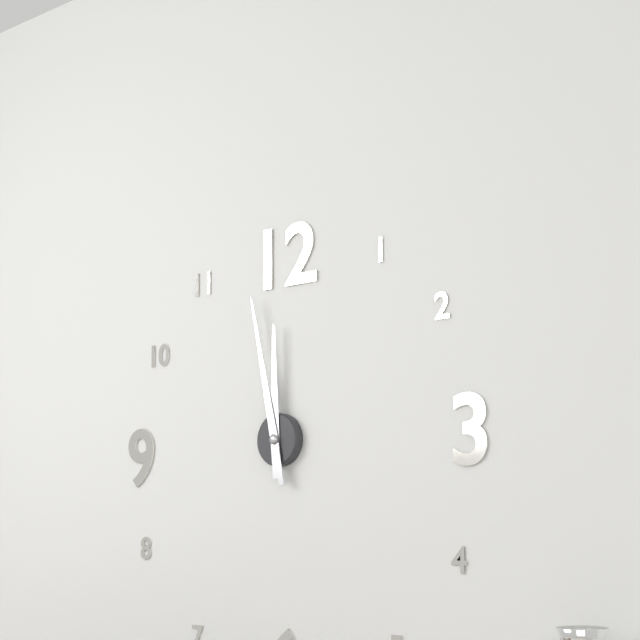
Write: 11:58
